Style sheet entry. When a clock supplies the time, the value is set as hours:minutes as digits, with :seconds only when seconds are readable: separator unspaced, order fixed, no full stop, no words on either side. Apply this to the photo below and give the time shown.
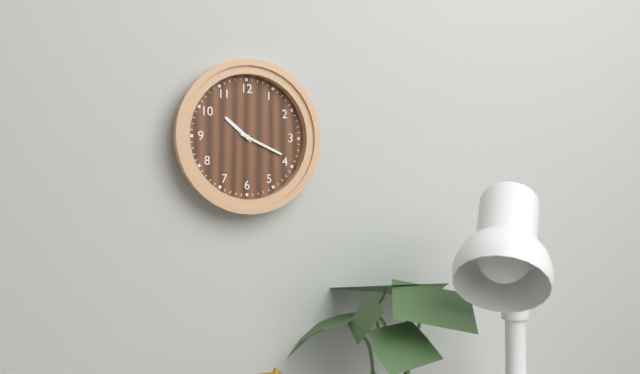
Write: 10:19
